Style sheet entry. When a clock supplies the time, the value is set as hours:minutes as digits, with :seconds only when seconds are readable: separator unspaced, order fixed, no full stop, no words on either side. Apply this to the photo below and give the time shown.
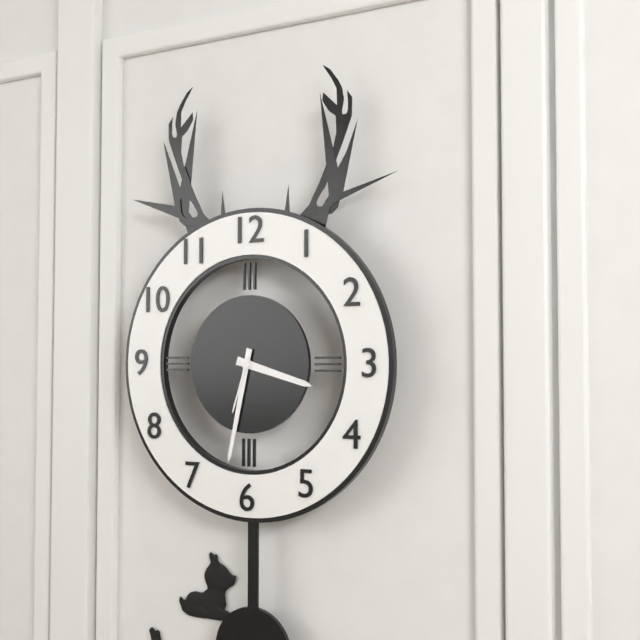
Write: 3:32:33
